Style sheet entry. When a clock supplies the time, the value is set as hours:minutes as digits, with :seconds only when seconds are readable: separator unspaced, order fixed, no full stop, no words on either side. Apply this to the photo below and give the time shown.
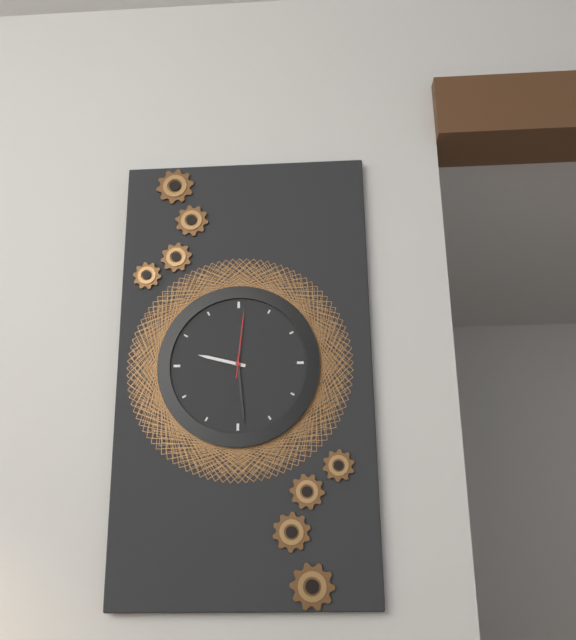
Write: 9:29:01
